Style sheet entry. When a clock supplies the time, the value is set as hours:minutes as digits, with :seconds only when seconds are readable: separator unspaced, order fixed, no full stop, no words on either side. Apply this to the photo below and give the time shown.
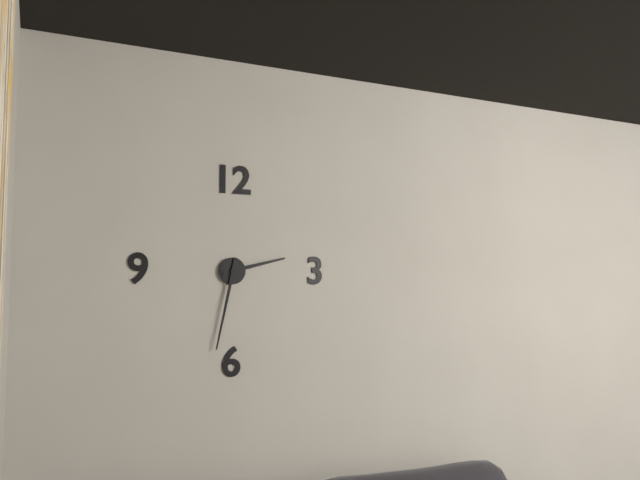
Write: 2:32
